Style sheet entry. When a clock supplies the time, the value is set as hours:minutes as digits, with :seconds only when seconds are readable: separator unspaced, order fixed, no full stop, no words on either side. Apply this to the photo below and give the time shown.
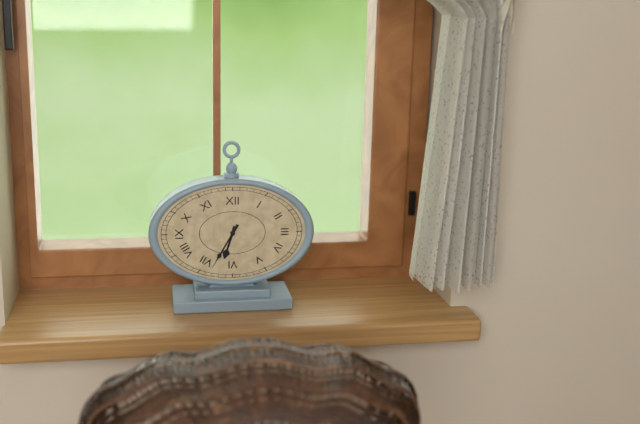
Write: 6:35
